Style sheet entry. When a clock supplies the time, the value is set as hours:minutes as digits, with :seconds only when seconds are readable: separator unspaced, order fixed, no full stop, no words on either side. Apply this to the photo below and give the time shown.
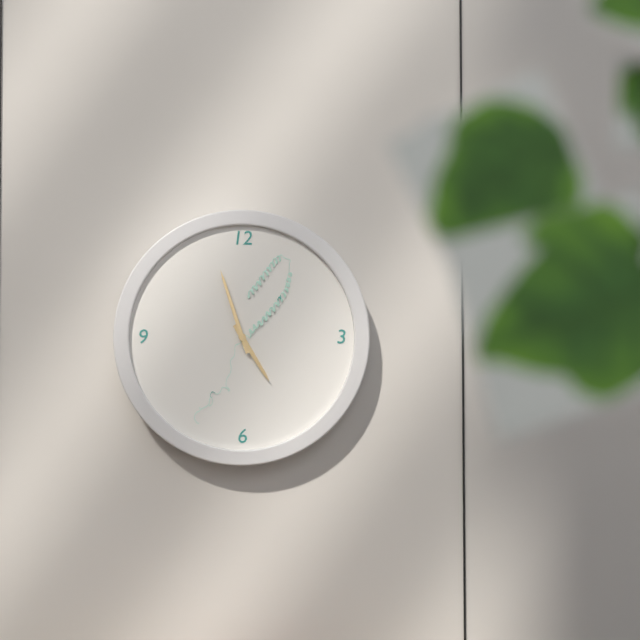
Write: 4:57
